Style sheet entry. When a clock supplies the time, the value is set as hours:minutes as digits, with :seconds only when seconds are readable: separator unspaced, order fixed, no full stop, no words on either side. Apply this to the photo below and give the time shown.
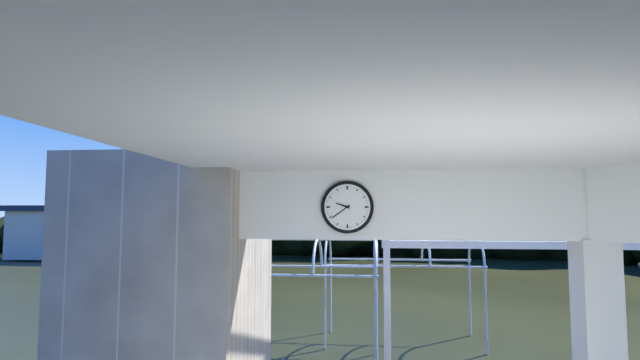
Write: 9:39
